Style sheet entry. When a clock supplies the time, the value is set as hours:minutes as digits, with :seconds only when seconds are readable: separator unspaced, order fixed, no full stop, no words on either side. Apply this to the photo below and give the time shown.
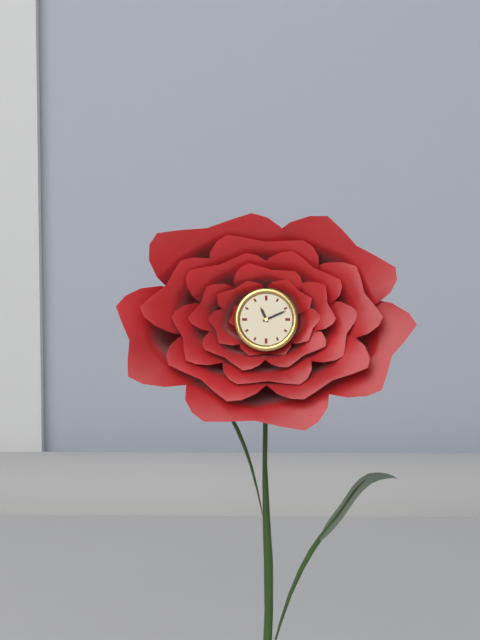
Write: 11:11
